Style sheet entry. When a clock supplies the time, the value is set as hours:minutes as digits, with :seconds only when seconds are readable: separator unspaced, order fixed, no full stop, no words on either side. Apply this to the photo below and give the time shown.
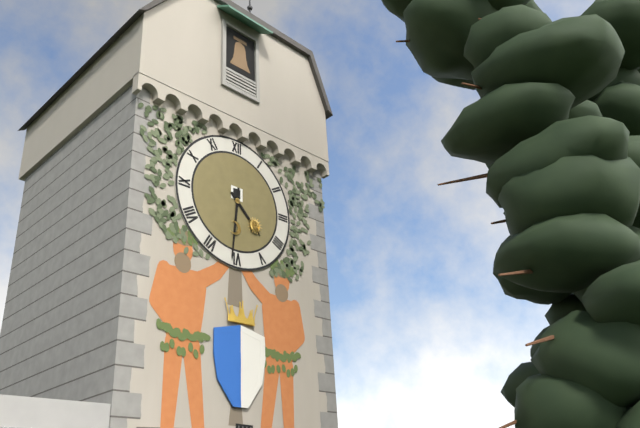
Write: 4:31
